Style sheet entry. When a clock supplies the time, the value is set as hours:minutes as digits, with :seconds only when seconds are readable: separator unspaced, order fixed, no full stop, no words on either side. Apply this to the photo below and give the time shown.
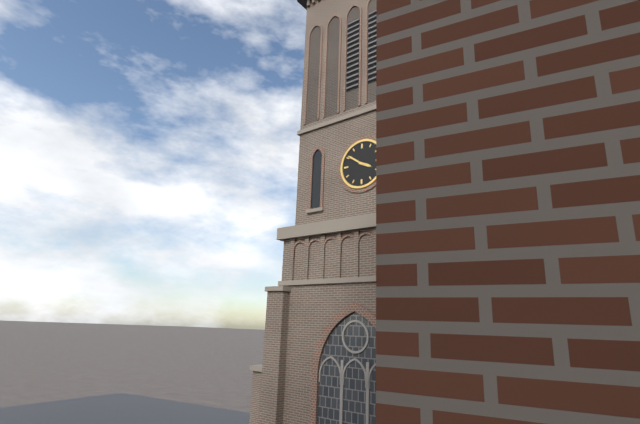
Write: 3:51
